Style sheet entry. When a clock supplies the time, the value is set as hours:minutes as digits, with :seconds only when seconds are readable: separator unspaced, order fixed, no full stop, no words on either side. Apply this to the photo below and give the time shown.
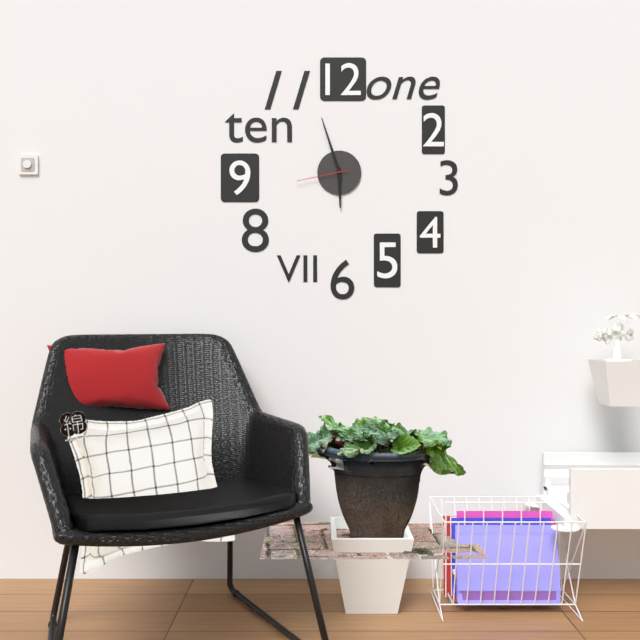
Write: 5:57:43
